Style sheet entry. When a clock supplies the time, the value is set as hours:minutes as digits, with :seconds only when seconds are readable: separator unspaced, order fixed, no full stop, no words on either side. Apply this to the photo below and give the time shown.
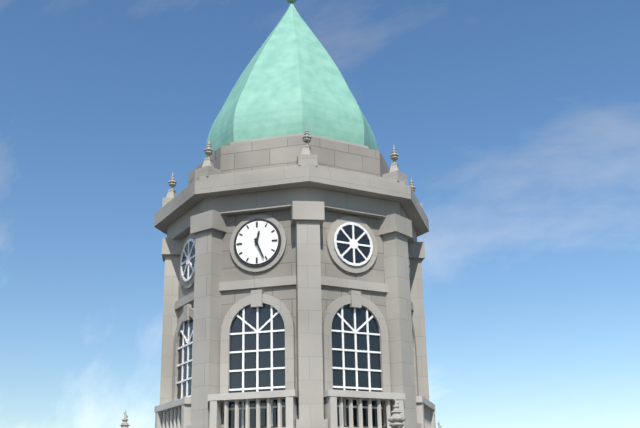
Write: 12:26
